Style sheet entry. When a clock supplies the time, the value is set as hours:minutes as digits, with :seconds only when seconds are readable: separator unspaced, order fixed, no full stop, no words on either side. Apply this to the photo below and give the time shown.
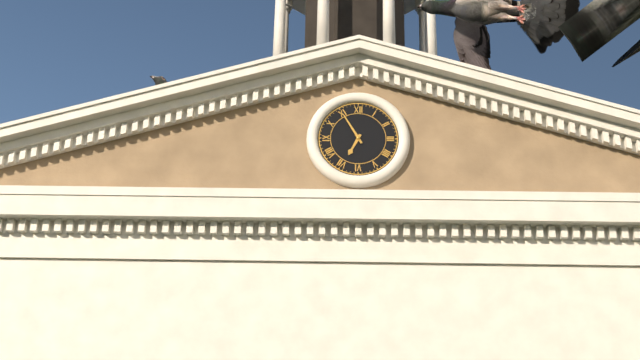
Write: 6:55
